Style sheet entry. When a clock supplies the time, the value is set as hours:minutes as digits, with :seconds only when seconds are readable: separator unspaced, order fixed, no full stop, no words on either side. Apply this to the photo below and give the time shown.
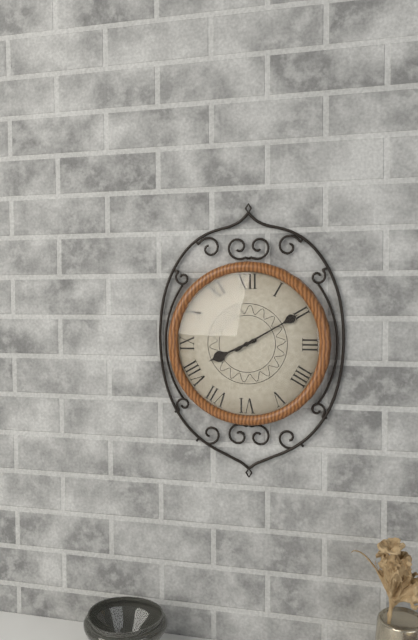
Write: 8:10
